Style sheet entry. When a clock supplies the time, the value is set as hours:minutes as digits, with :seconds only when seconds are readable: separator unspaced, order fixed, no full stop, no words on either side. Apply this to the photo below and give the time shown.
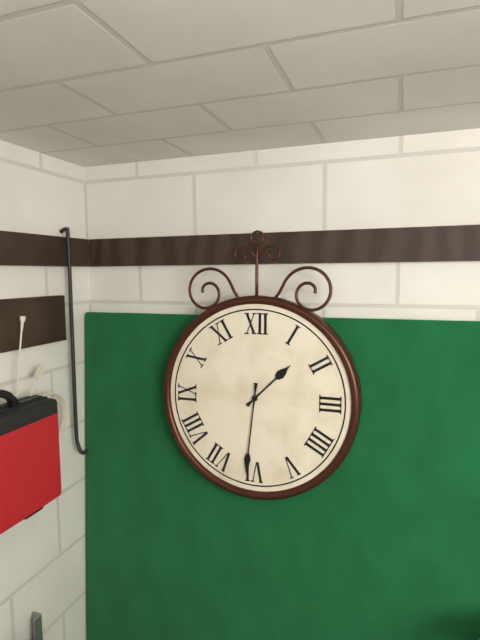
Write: 1:31
